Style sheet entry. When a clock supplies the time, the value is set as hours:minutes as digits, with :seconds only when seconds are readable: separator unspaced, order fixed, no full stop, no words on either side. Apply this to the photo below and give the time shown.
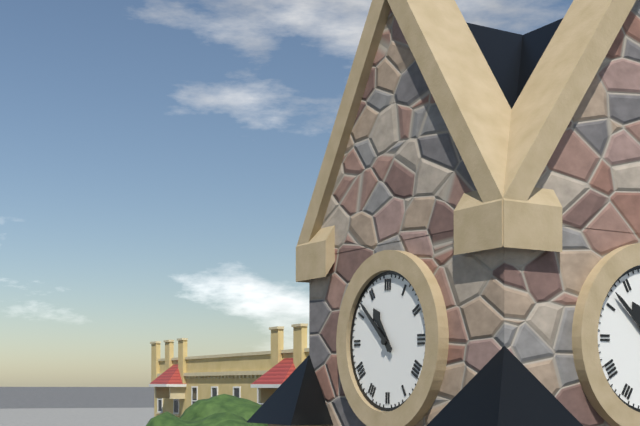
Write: 10:52
